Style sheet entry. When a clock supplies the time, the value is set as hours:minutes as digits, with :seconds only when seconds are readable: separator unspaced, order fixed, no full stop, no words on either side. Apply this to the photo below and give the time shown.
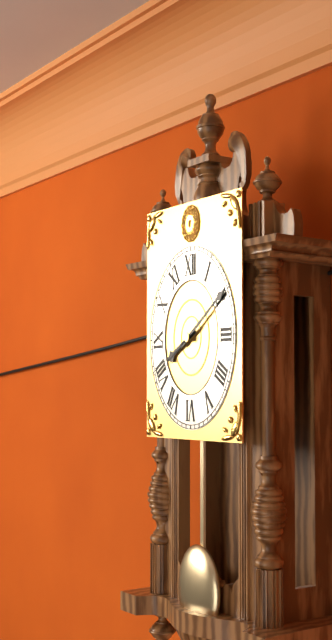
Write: 8:10:41
